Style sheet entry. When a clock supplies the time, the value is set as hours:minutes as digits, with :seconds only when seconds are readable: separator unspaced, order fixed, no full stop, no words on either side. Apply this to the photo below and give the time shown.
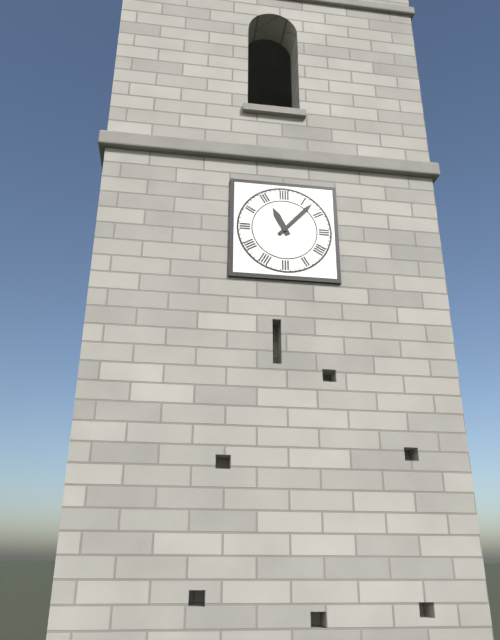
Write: 11:07
